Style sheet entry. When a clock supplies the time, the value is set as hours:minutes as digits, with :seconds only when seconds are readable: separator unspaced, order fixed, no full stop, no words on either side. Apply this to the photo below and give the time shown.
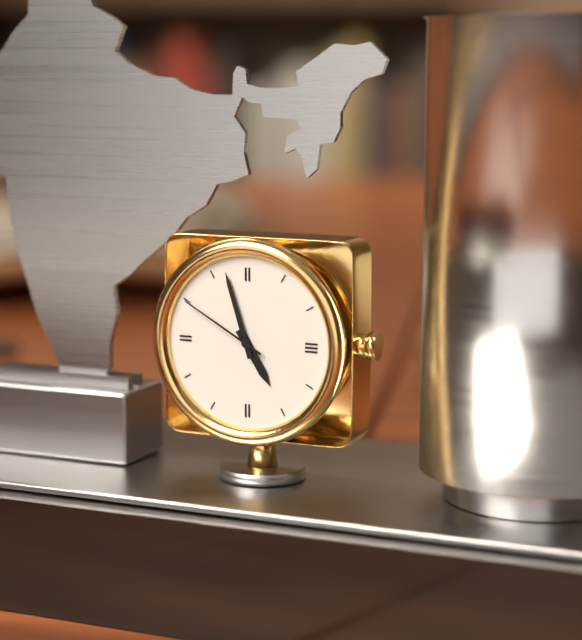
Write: 4:57:50
